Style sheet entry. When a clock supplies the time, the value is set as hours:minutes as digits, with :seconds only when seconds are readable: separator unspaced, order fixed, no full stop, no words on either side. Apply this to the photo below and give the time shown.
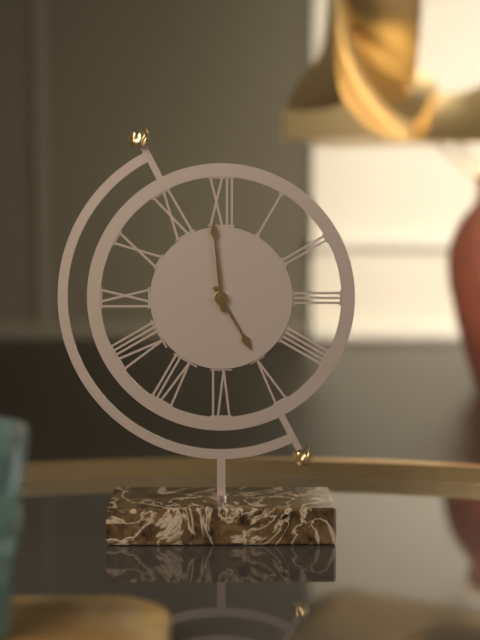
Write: 4:59
